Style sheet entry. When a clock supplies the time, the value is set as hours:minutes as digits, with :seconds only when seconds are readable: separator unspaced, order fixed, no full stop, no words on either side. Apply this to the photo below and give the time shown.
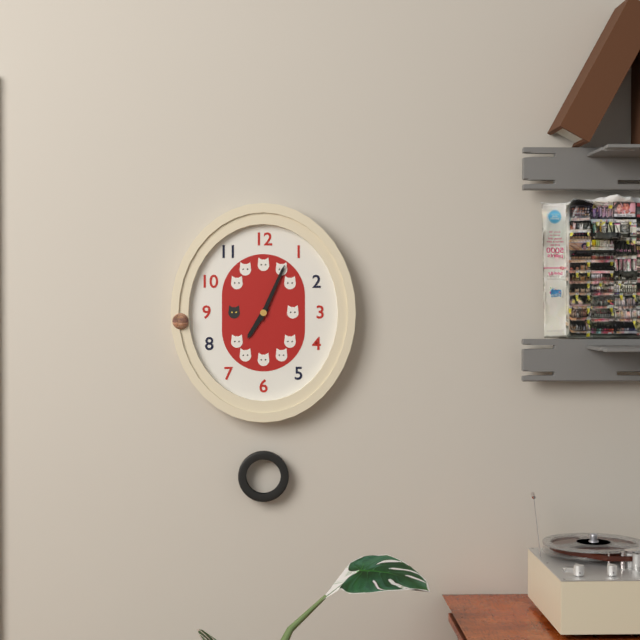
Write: 7:04
